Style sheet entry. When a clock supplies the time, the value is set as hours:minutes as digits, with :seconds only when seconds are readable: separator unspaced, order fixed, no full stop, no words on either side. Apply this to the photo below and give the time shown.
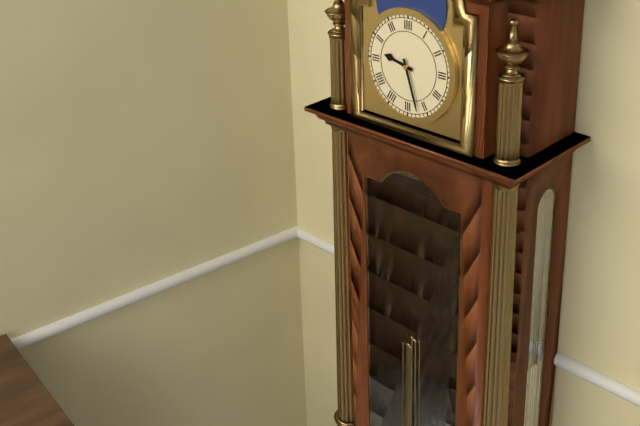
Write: 9:27
